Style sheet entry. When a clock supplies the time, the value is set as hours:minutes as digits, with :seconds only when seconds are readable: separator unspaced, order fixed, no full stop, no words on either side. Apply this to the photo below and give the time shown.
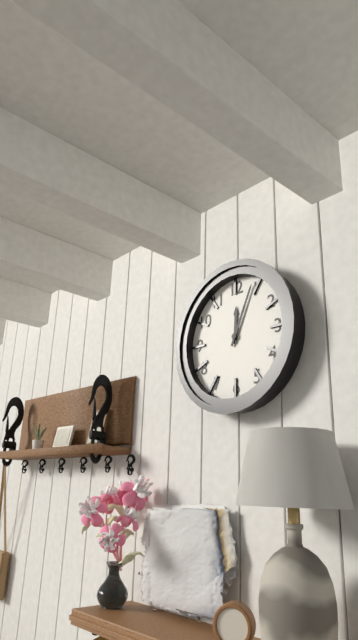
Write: 12:04
